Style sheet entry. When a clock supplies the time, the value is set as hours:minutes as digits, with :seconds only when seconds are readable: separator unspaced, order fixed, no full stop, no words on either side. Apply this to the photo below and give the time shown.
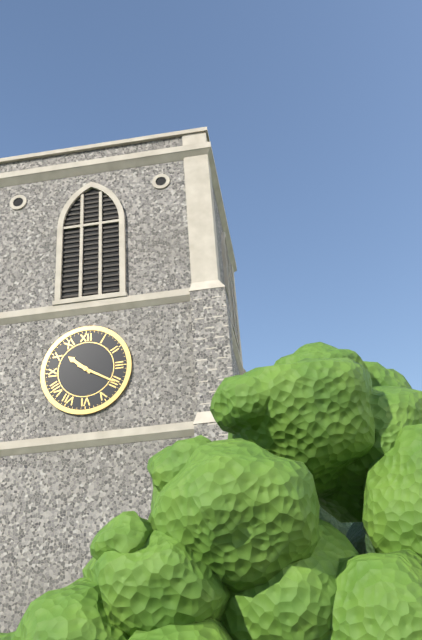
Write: 10:20
